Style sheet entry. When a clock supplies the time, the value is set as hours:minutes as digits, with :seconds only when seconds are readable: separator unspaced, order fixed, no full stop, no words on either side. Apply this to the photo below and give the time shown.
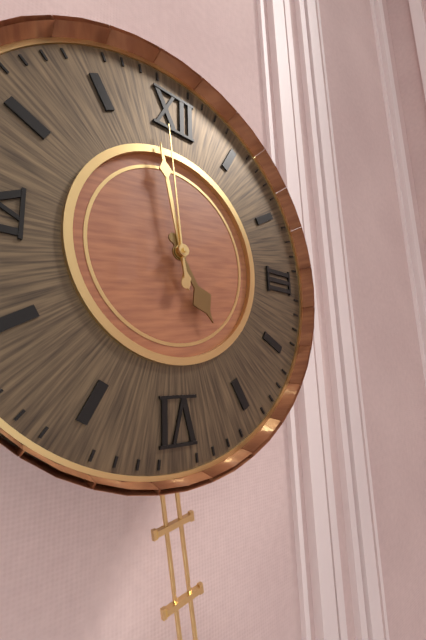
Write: 4:58:59
